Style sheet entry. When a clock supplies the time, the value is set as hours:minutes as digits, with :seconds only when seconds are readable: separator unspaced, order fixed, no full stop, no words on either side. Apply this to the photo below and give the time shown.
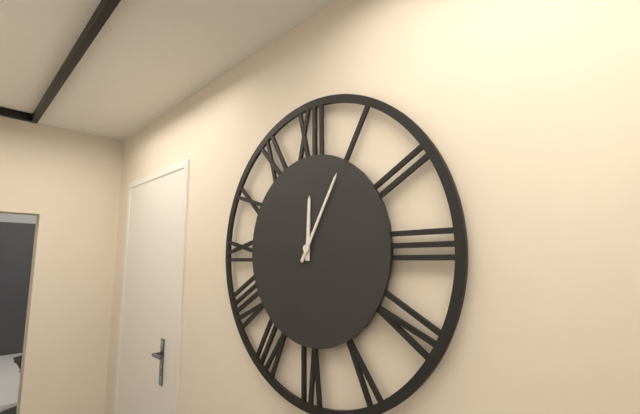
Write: 12:05
